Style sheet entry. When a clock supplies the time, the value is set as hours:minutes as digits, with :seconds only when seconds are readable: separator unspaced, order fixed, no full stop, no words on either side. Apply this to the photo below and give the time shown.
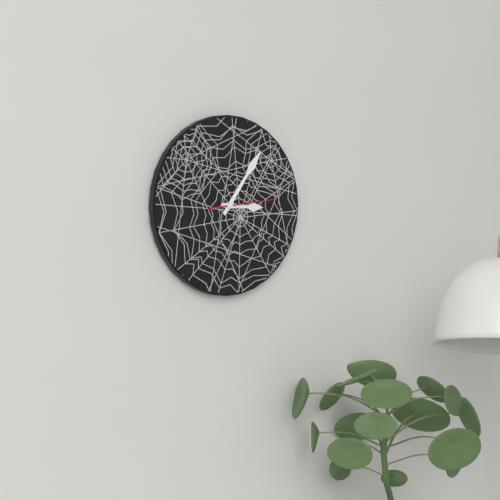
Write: 3:06:14
